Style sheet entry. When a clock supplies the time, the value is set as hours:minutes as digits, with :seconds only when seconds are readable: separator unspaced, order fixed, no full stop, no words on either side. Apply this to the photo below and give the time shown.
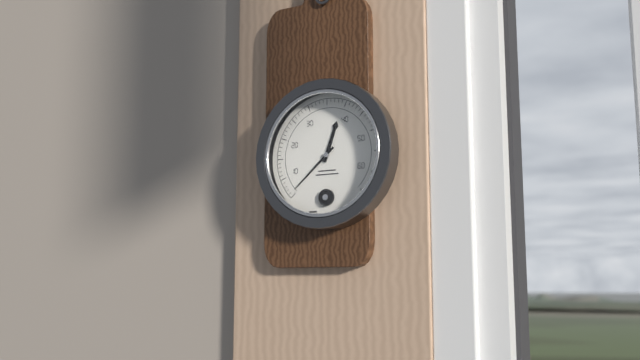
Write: 12:38
